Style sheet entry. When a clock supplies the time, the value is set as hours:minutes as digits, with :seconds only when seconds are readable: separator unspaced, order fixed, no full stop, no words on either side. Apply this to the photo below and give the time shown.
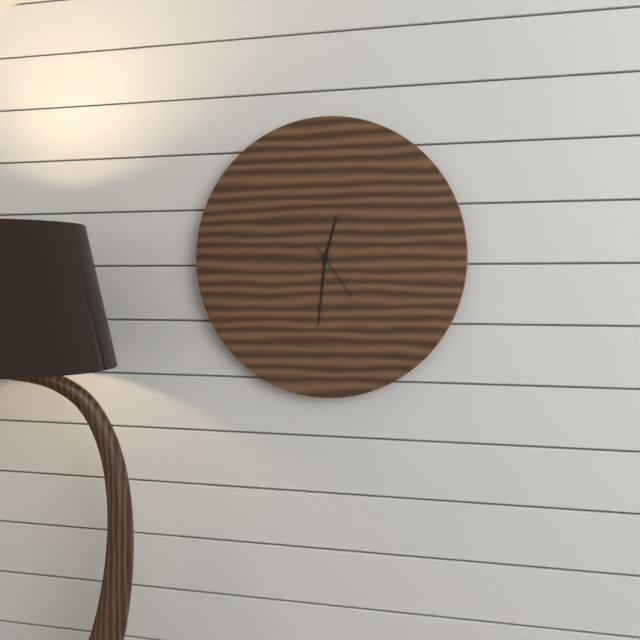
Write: 12:31:24
